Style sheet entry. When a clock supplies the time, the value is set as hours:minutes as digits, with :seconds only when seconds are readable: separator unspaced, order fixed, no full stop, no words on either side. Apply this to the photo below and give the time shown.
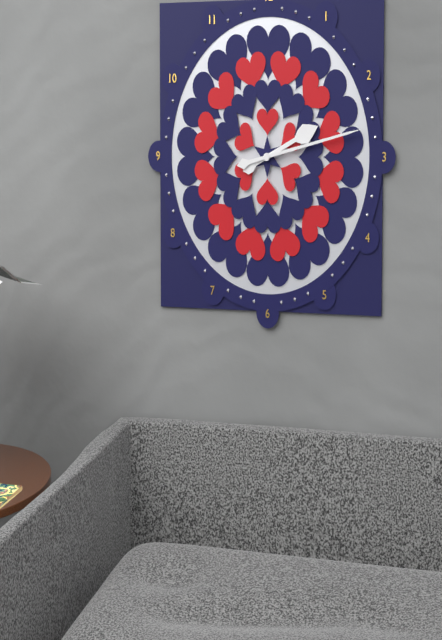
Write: 2:13
